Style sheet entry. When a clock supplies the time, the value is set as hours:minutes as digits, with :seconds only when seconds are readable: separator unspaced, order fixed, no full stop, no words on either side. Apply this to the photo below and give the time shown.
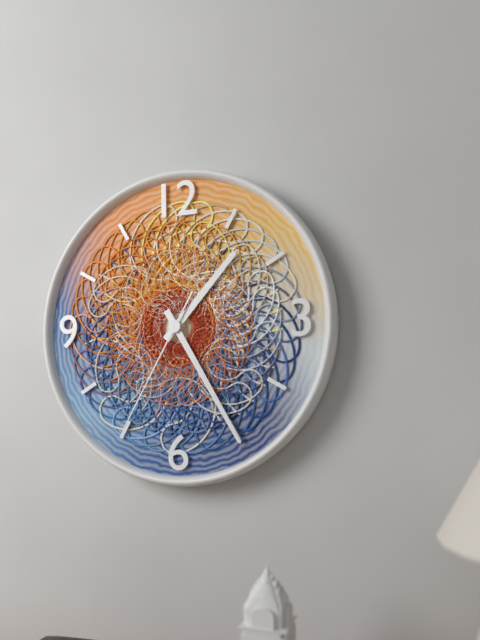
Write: 1:25:35
